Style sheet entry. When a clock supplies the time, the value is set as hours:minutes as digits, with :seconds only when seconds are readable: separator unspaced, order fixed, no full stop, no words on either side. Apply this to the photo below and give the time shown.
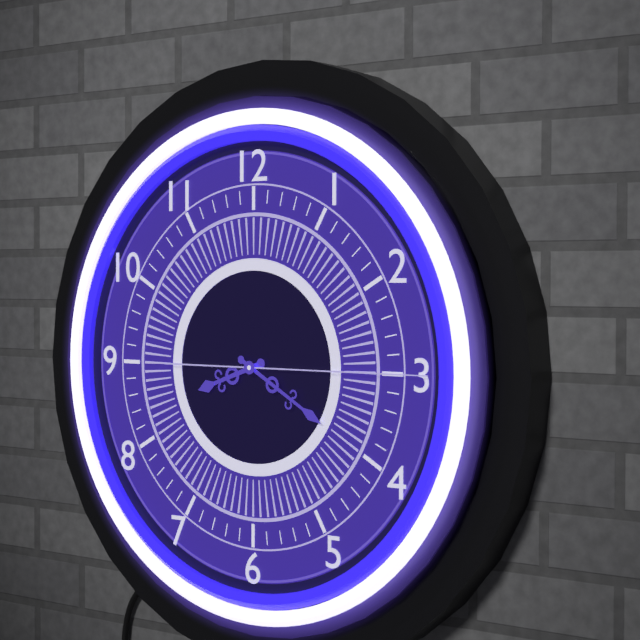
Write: 8:20:15
